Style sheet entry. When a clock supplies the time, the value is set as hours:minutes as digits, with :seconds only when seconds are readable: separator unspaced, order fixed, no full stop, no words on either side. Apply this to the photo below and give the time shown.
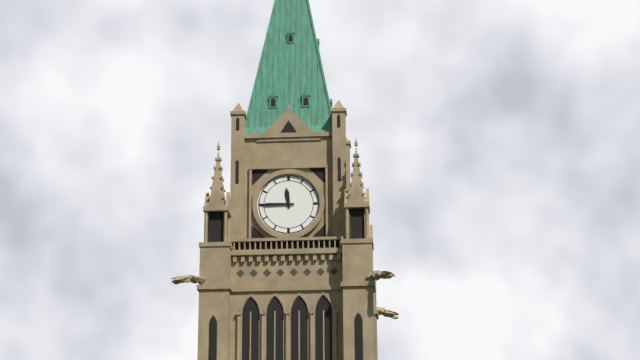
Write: 11:45
